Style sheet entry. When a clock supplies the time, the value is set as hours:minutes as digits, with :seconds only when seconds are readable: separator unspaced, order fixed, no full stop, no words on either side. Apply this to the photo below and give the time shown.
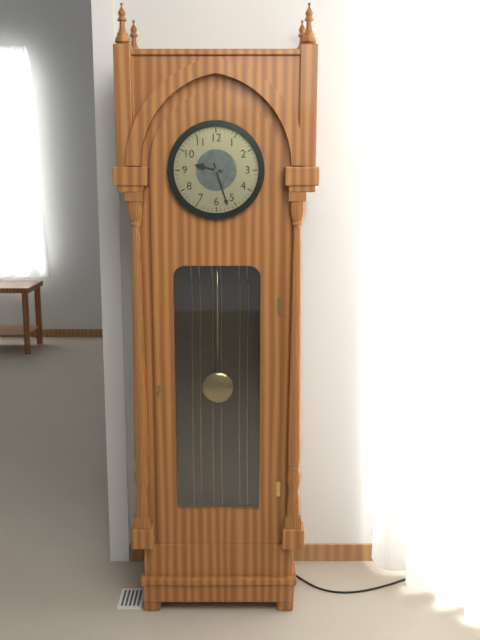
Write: 9:27
